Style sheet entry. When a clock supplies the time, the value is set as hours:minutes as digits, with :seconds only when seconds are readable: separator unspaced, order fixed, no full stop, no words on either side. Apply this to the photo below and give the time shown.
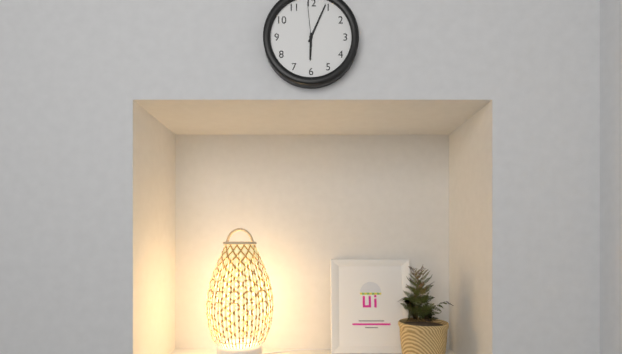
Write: 6:04
